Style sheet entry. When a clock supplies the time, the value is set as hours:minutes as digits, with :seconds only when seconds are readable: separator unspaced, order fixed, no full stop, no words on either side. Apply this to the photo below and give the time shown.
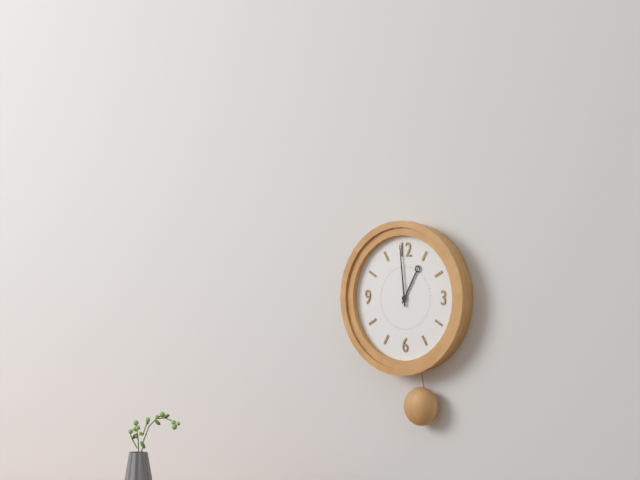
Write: 12:59
